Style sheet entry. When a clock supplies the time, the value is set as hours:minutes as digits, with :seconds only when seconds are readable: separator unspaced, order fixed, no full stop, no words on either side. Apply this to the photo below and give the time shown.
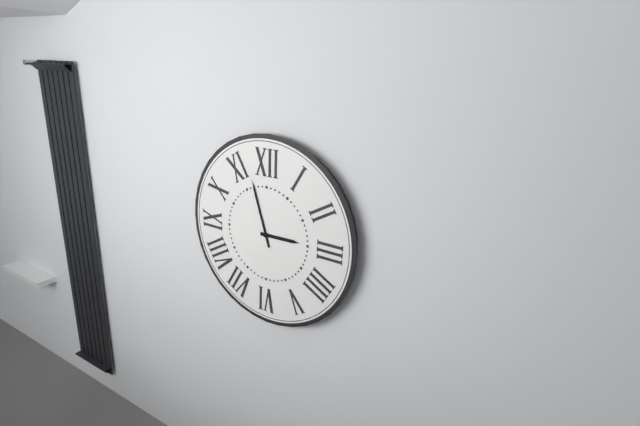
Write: 2:57
